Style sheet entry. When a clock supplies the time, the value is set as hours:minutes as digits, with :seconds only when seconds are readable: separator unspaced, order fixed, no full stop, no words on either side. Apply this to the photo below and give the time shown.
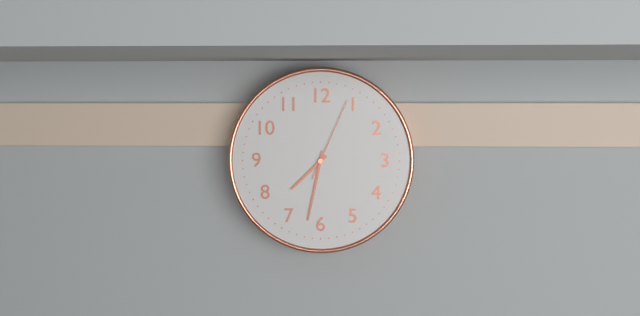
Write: 7:32:04
